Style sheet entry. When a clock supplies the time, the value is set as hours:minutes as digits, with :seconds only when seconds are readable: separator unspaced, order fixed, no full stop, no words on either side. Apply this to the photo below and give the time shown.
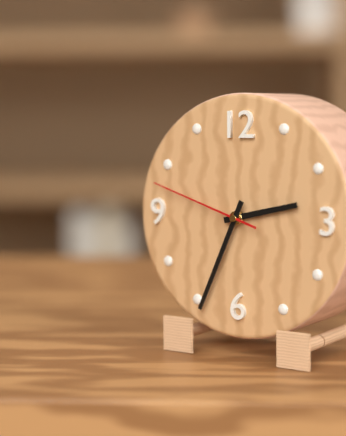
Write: 2:34:48
